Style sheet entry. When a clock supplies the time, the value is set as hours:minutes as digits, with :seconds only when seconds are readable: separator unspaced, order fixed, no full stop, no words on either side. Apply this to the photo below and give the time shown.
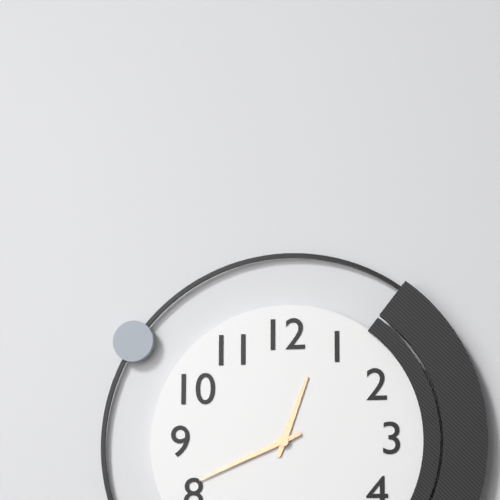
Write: 12:41
